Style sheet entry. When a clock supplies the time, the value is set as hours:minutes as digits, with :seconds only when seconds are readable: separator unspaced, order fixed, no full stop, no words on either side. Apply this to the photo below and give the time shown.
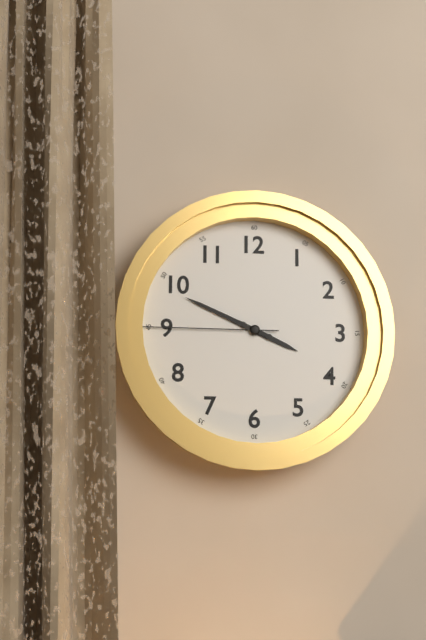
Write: 3:49:45
